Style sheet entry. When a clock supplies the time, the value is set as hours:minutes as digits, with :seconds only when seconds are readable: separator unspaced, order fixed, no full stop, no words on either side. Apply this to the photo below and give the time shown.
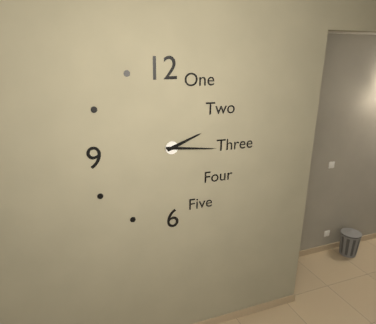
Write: 2:16
